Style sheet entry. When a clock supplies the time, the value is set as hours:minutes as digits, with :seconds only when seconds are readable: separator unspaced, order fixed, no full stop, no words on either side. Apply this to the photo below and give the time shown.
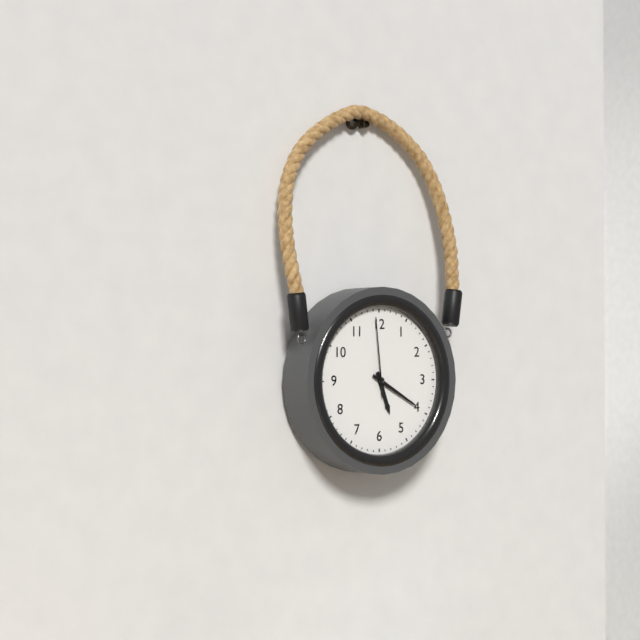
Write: 5:20:59
